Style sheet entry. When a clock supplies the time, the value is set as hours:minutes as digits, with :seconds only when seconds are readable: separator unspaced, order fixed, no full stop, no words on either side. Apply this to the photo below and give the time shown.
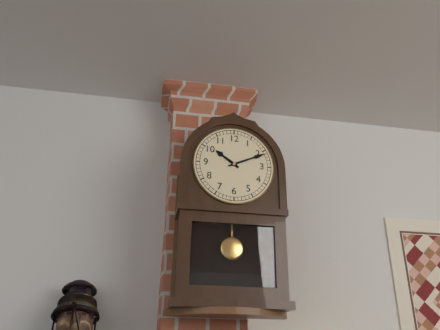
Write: 10:11
